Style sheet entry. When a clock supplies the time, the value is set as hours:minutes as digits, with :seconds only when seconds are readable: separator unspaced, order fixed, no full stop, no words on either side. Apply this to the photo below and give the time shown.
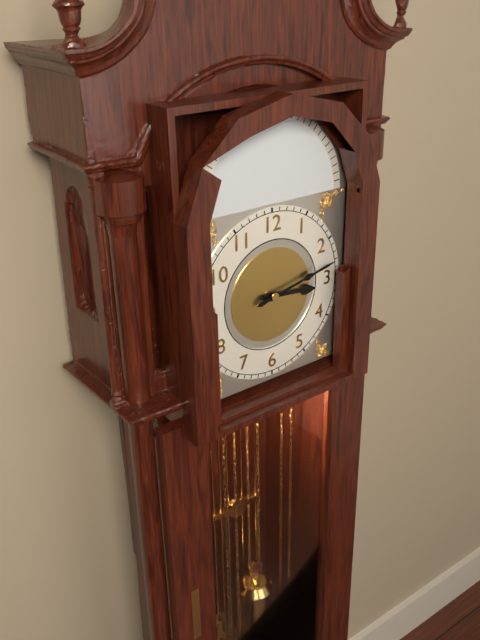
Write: 3:13
